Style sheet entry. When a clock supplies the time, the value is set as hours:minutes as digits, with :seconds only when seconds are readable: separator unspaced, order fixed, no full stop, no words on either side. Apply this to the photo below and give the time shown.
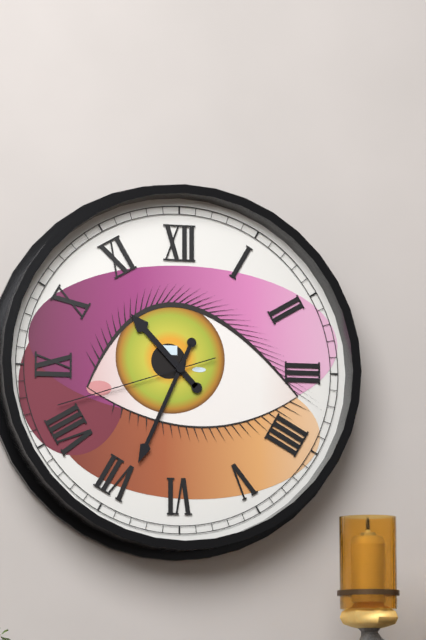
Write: 10:34:42
